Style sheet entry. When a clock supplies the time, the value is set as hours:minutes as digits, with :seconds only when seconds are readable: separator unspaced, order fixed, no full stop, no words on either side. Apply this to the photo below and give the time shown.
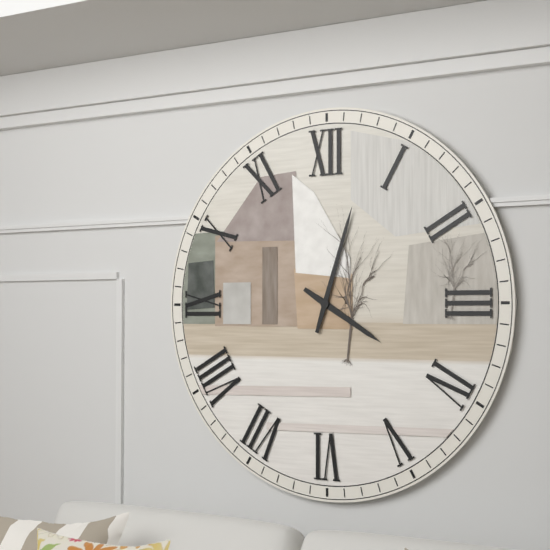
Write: 4:03
